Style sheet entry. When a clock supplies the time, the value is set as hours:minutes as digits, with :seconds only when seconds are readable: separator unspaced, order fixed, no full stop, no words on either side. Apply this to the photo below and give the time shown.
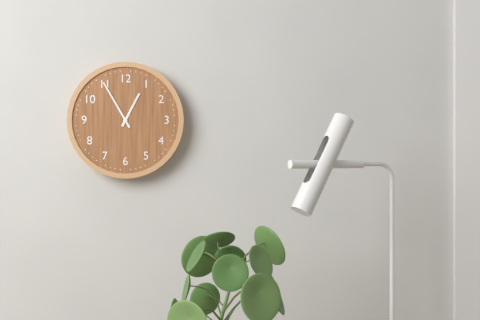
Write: 12:55
